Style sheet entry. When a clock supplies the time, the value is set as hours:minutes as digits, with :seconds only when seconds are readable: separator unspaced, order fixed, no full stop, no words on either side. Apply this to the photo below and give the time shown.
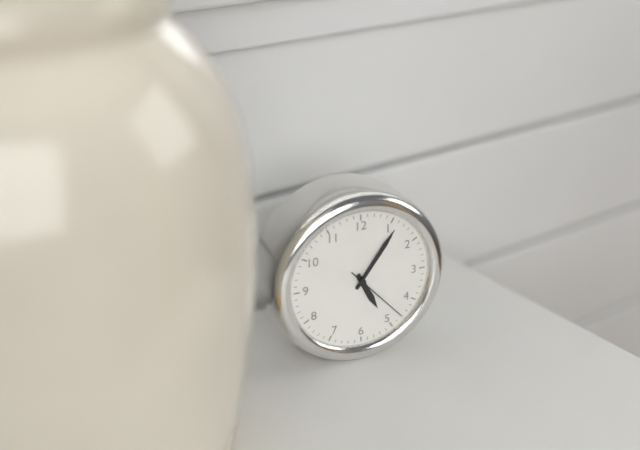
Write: 5:06:23
